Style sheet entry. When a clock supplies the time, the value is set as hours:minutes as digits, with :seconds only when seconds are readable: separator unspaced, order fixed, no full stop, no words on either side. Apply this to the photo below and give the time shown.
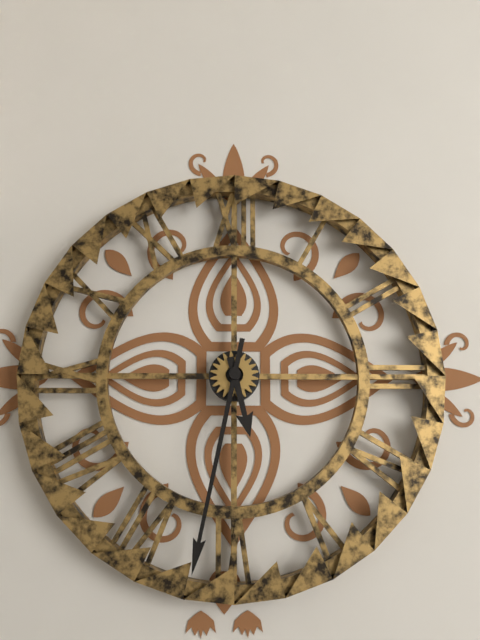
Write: 5:32
